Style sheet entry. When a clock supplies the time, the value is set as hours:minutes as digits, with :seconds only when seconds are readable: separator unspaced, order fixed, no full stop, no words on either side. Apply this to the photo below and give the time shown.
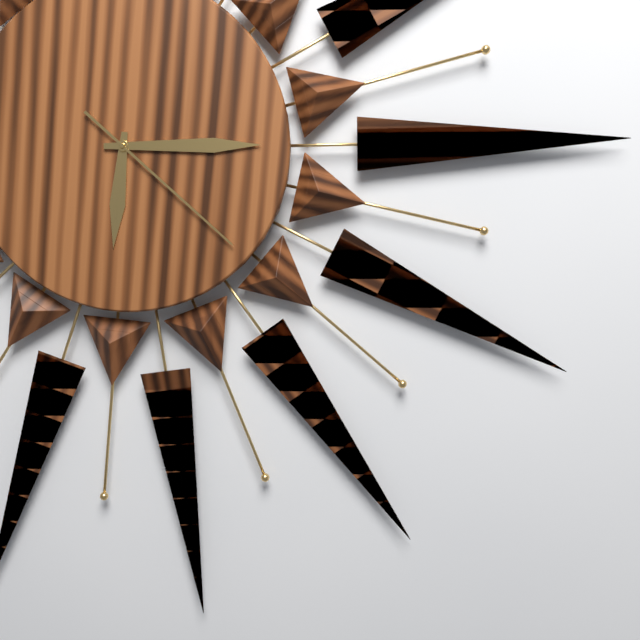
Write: 6:15:22
